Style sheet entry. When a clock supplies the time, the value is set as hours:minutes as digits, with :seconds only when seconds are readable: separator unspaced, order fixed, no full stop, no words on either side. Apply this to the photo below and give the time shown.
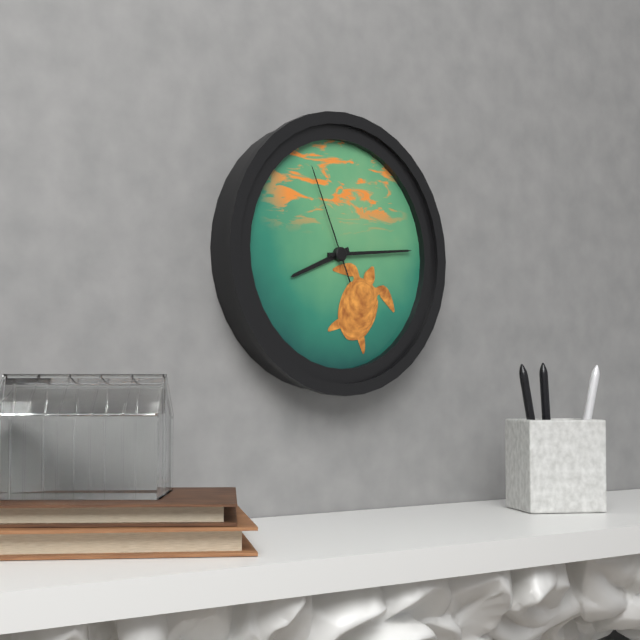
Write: 8:14:56
